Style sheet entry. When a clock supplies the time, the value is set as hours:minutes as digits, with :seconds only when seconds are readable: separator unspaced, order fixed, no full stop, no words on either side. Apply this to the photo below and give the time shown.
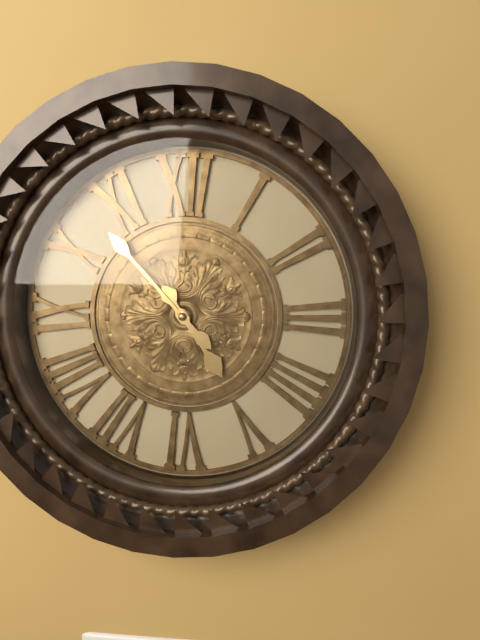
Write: 4:53
